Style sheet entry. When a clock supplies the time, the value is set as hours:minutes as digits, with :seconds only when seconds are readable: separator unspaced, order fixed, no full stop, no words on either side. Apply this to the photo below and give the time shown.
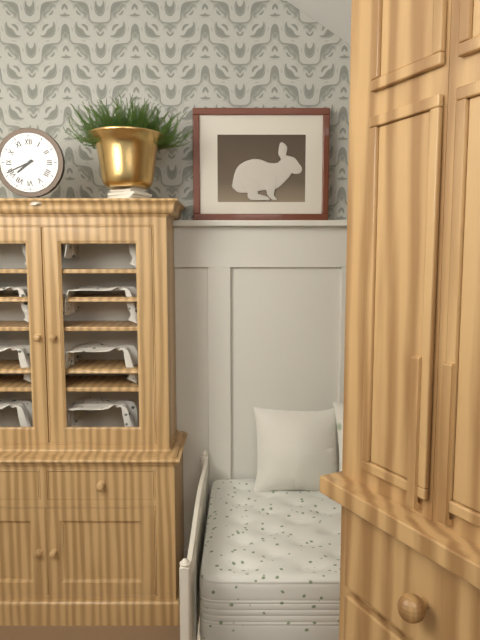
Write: 7:41
